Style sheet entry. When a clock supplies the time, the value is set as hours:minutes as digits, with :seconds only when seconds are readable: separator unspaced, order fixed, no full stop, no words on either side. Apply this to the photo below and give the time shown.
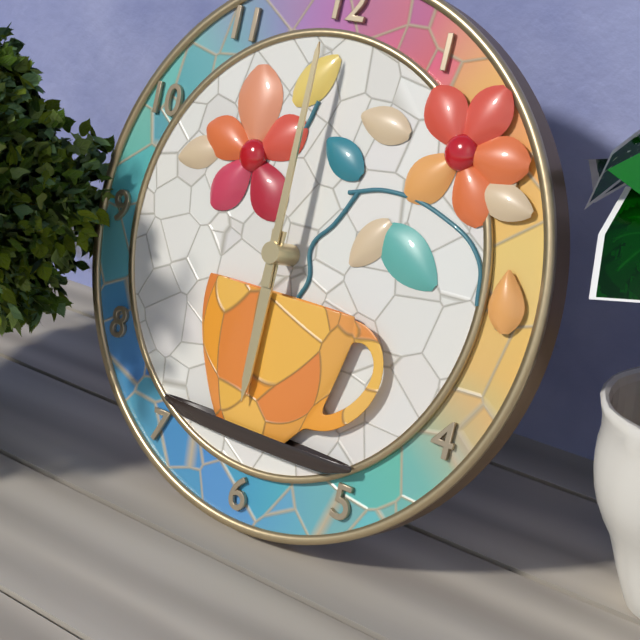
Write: 6:00
